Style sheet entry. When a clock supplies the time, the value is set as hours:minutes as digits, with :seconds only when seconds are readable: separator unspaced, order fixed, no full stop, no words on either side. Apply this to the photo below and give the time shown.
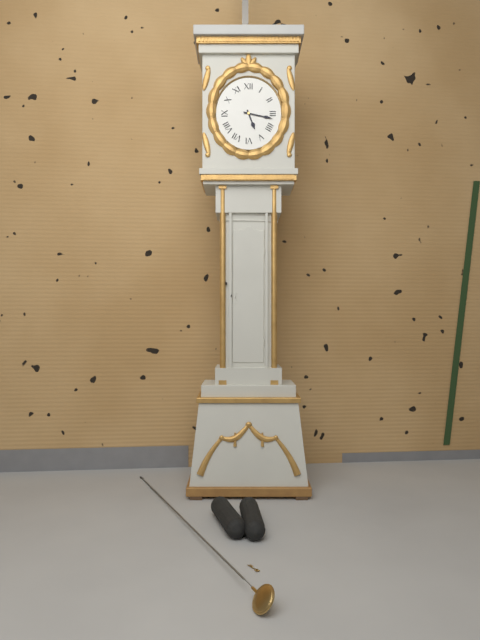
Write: 5:17
